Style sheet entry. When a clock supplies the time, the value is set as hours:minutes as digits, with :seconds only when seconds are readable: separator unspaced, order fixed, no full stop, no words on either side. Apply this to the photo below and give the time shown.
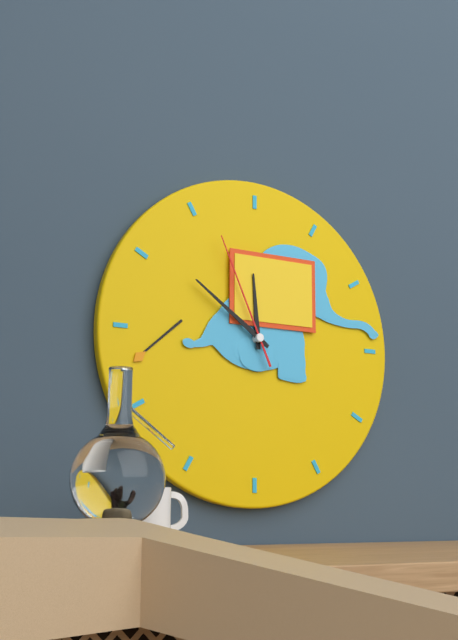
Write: 11:51:56
